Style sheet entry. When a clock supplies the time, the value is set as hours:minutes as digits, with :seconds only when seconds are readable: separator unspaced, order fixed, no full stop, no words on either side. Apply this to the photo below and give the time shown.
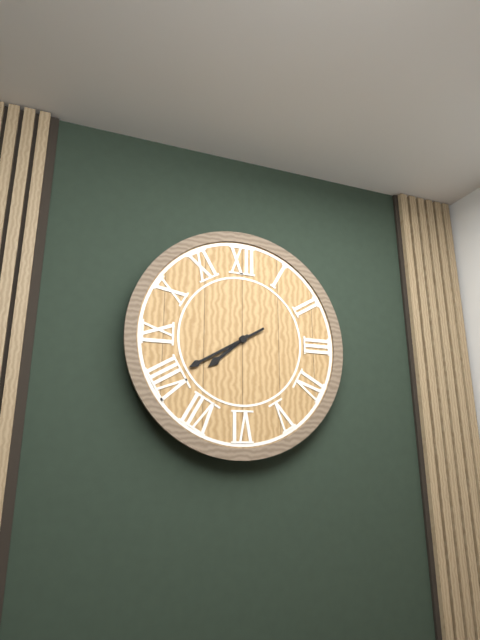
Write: 7:40
